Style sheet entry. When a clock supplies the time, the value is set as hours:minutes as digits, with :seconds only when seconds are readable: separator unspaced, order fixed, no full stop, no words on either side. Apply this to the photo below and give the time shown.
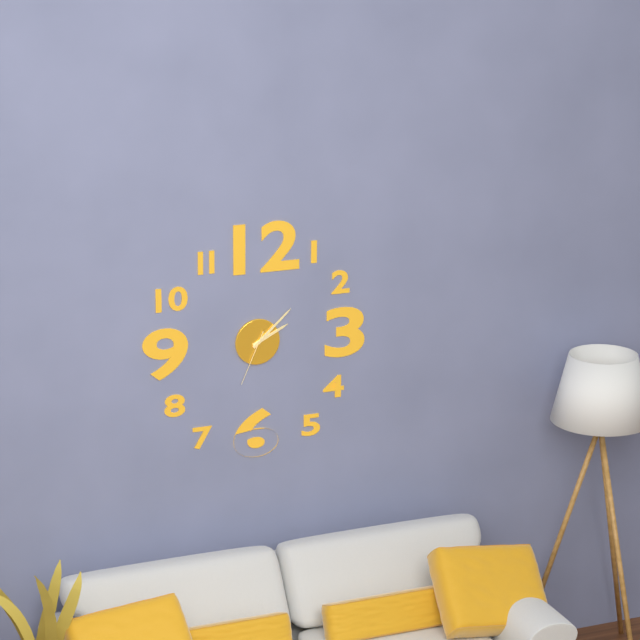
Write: 2:08:34
